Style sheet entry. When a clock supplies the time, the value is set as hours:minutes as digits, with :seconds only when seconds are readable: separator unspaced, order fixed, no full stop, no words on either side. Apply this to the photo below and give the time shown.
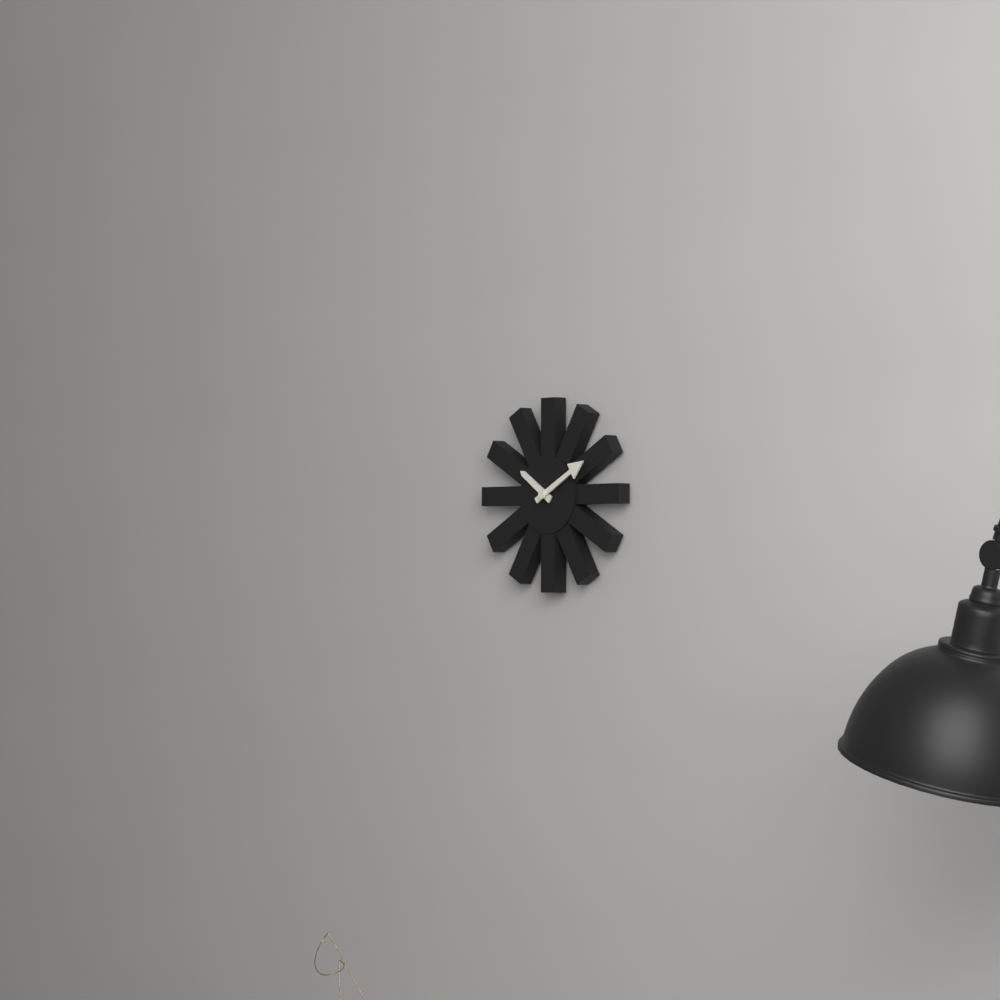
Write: 10:10
